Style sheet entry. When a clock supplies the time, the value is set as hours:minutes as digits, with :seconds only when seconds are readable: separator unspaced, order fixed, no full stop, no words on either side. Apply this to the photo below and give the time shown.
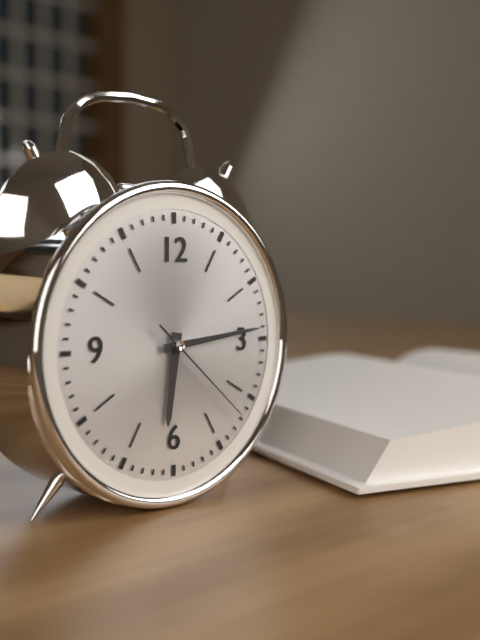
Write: 6:14:22
